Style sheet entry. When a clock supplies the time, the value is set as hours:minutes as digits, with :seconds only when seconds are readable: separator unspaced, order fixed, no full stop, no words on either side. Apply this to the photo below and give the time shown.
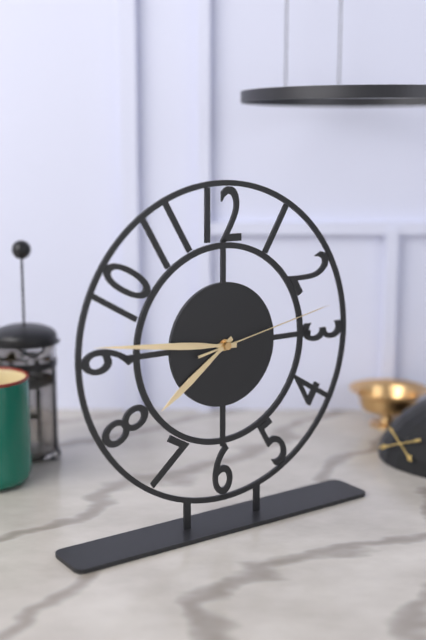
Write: 7:46:13
